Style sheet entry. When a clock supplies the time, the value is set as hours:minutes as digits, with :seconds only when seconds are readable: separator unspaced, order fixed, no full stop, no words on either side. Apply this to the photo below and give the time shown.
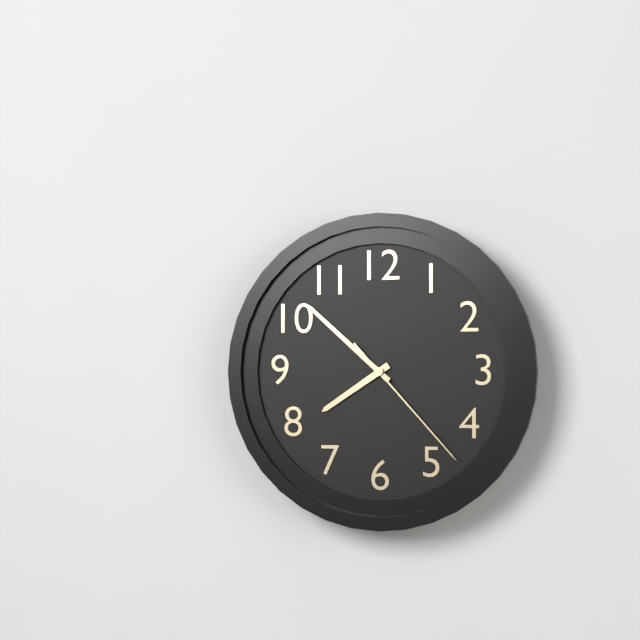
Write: 7:52:23
